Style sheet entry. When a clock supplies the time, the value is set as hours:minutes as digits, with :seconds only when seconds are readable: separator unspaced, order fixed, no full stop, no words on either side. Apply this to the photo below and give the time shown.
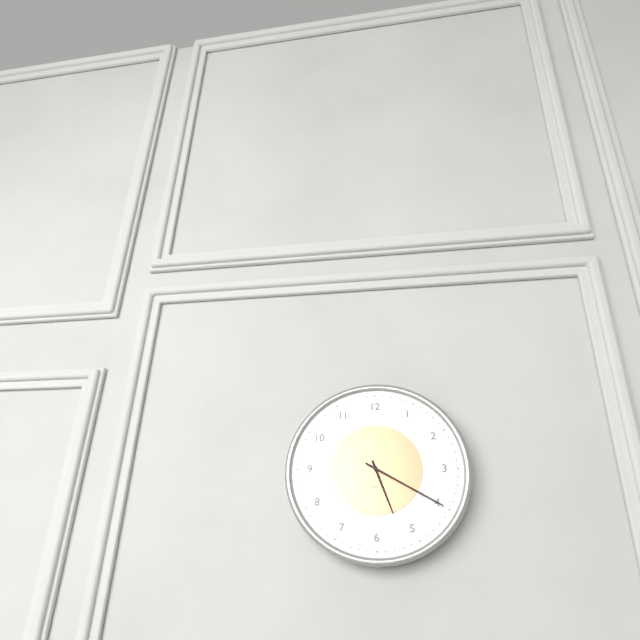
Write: 5:20
